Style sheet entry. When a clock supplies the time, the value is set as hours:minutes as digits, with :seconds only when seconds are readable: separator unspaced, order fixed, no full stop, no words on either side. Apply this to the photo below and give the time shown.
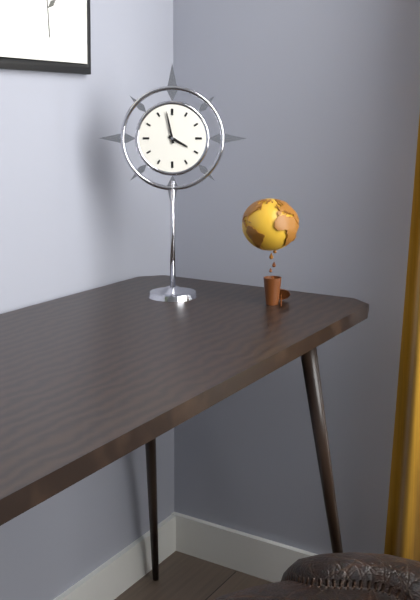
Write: 3:58
